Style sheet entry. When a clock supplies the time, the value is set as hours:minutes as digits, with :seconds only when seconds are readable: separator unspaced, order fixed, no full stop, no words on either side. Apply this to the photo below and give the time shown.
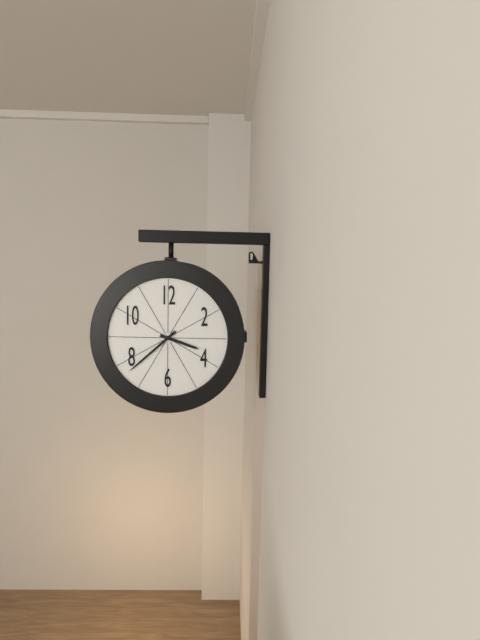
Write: 3:38
